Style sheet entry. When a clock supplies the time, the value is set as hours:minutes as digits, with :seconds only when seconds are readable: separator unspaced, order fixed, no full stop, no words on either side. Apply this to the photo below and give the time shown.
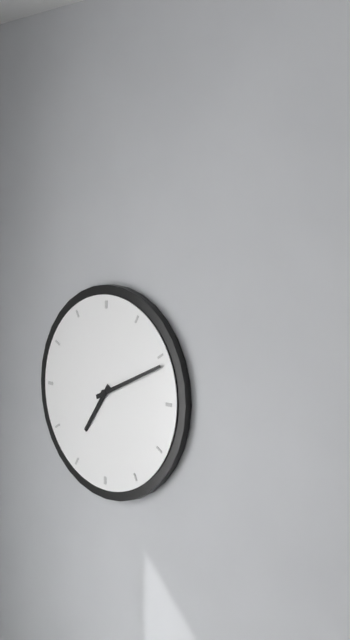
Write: 7:11
